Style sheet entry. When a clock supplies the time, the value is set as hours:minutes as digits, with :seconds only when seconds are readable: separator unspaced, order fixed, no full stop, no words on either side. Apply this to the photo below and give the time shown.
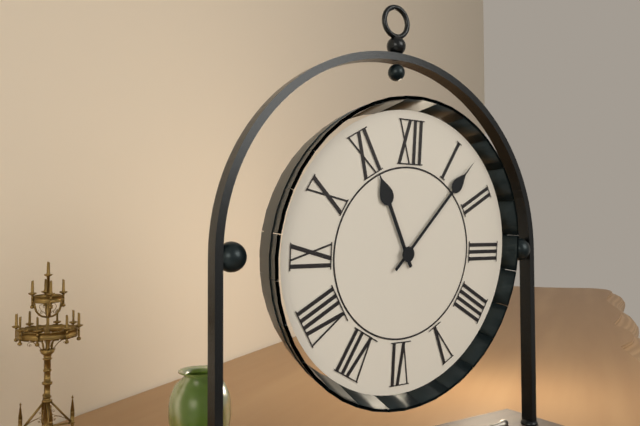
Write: 11:07
